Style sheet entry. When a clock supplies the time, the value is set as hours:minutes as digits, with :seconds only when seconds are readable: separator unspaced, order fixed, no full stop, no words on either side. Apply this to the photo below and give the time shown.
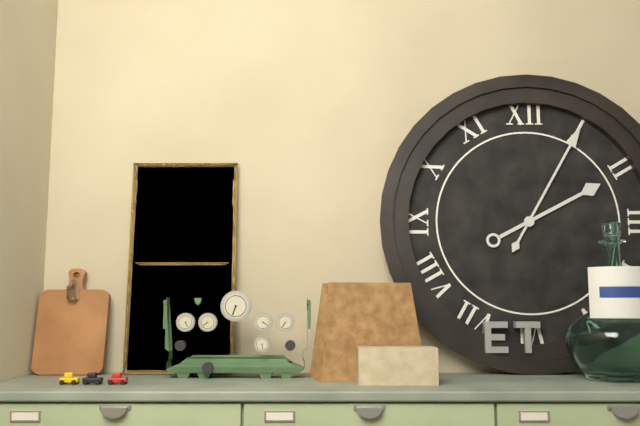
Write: 2:05
